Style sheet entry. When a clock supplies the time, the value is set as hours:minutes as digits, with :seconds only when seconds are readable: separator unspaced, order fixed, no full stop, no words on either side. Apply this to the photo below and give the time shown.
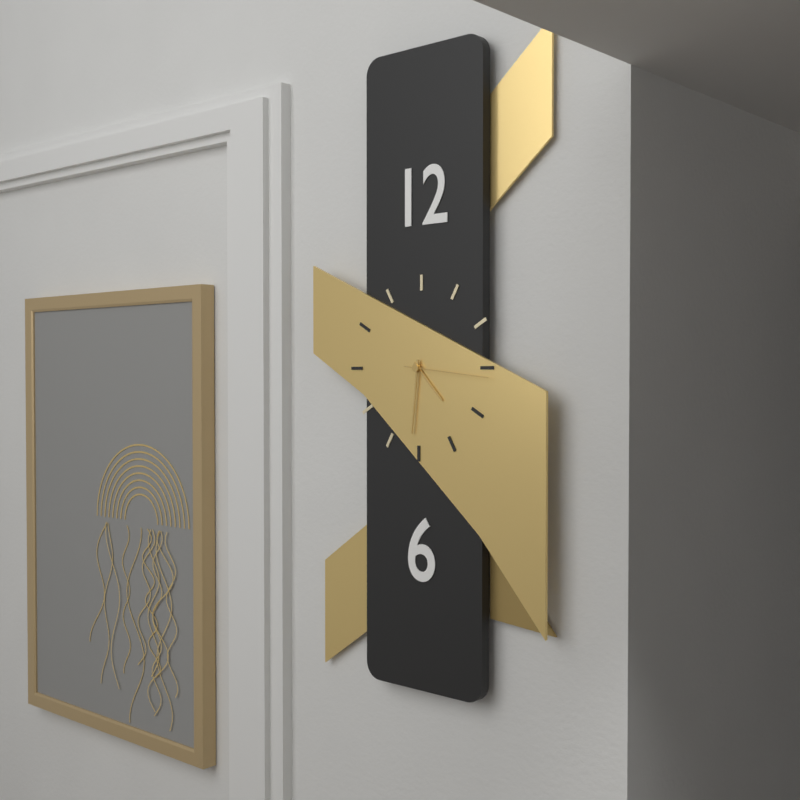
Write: 4:31:16
